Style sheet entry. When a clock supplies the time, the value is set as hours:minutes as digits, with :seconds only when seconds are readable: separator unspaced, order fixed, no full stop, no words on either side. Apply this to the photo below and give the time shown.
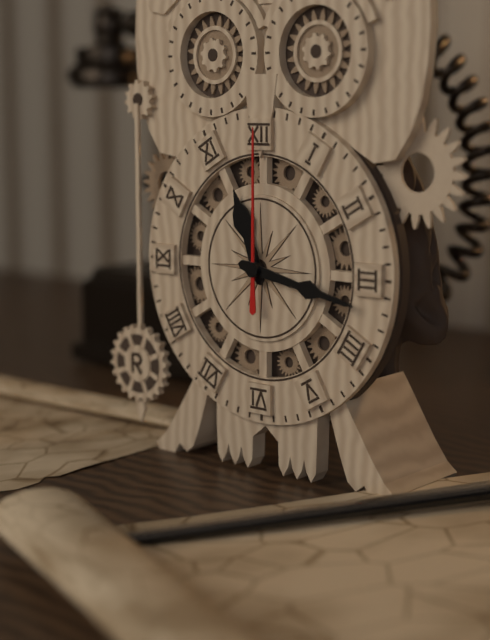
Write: 11:17:00
